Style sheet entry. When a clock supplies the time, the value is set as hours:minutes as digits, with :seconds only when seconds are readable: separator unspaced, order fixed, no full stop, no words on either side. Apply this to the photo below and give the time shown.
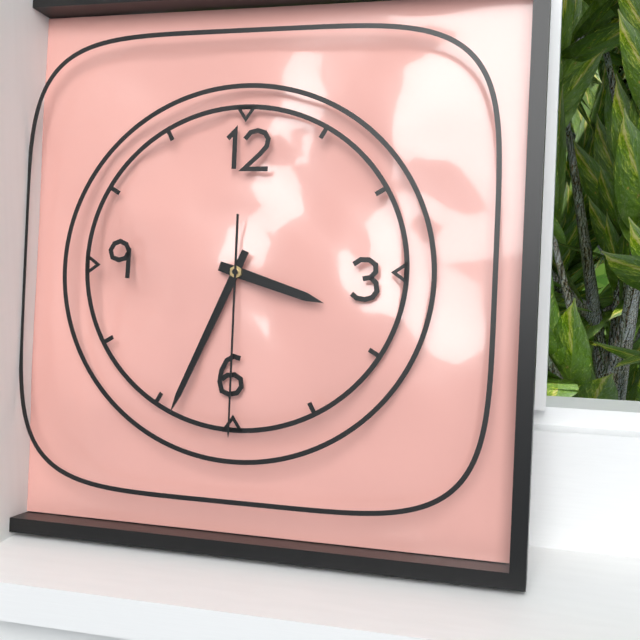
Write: 3:34:30
